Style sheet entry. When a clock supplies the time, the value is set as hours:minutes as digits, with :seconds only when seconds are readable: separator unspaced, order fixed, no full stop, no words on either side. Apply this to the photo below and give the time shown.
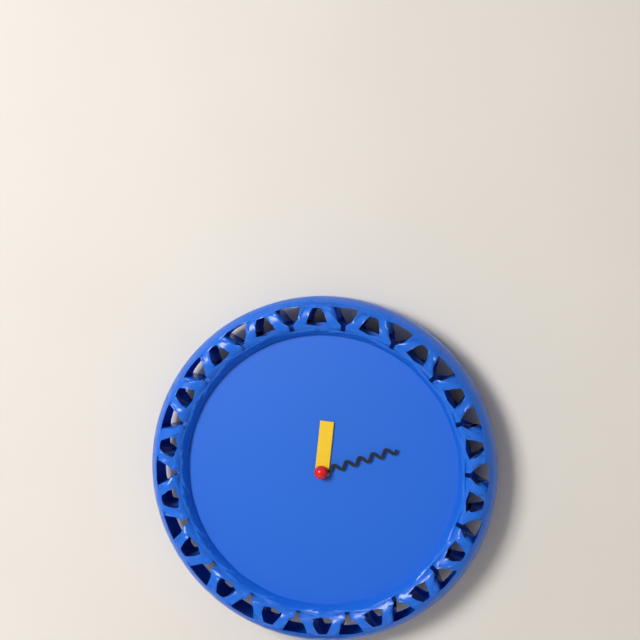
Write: 12:12
